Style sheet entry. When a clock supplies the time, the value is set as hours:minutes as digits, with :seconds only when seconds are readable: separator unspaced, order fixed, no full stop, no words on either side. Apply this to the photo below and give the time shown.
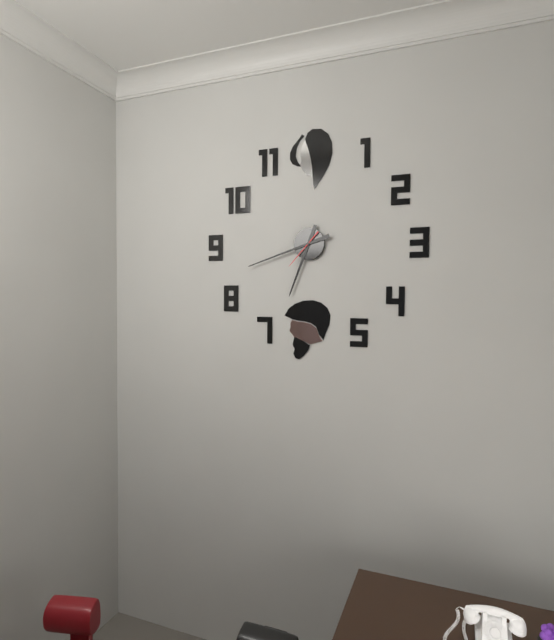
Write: 6:42
